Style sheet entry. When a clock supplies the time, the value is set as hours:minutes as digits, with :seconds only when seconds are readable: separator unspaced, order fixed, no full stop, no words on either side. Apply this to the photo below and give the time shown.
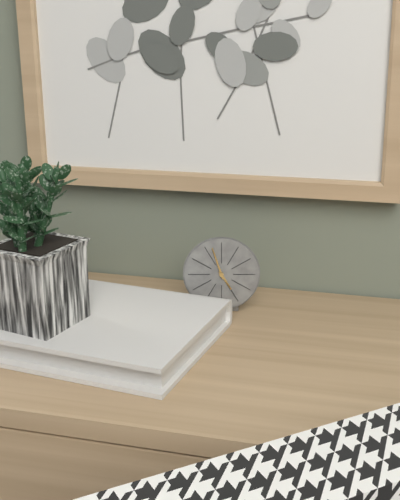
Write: 4:57
